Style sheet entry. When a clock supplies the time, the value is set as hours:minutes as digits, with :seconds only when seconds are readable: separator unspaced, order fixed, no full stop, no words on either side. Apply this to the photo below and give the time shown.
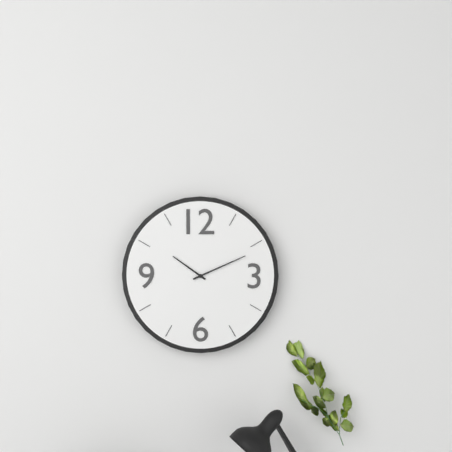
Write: 10:11
